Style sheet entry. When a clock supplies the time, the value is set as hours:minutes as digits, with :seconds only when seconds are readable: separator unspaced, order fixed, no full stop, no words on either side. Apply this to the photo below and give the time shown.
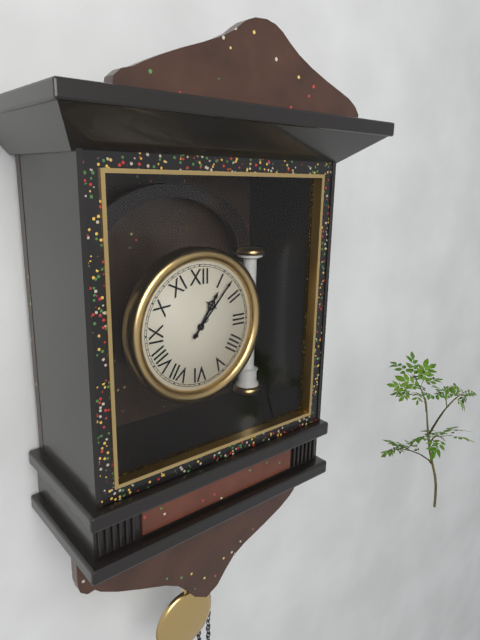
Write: 1:07
